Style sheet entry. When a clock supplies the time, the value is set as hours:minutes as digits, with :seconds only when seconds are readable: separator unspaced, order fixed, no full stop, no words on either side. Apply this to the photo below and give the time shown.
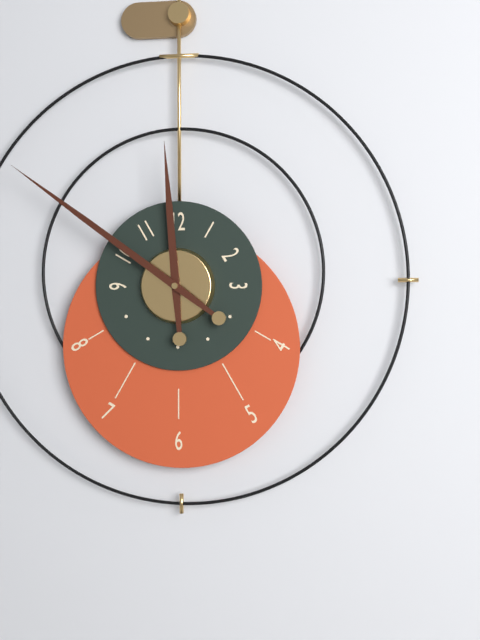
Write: 11:51
